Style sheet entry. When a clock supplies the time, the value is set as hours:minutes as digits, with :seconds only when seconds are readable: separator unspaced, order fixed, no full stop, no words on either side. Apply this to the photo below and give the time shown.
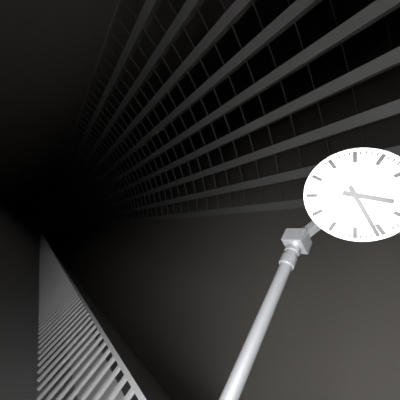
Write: 3:26:46
